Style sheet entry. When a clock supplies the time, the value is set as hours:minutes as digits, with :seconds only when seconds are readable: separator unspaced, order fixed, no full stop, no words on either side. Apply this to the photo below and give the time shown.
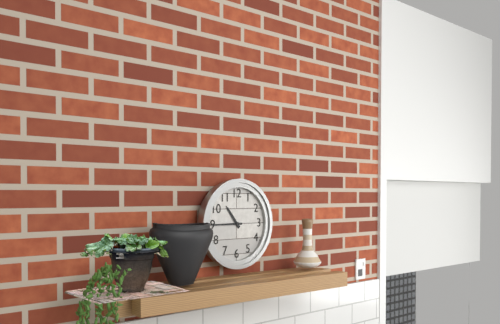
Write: 10:45
